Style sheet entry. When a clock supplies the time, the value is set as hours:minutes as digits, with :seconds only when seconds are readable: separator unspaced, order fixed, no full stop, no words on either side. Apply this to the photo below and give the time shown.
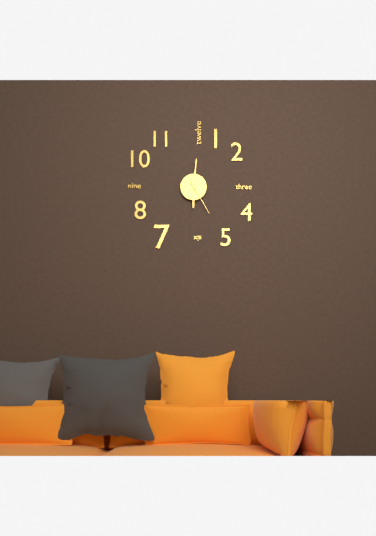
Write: 6:01
